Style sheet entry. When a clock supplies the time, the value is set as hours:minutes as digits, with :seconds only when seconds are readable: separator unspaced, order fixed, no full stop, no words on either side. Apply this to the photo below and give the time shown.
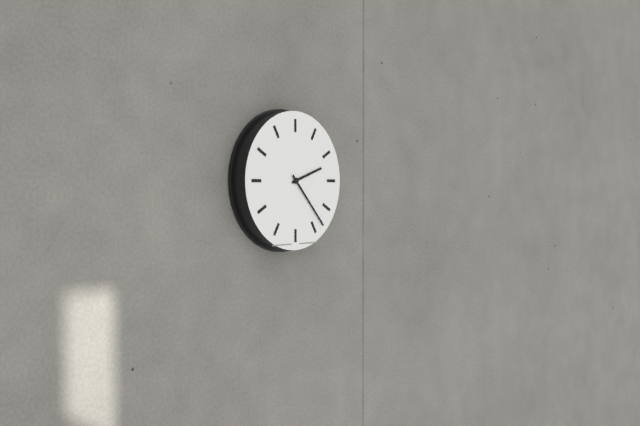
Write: 2:23
